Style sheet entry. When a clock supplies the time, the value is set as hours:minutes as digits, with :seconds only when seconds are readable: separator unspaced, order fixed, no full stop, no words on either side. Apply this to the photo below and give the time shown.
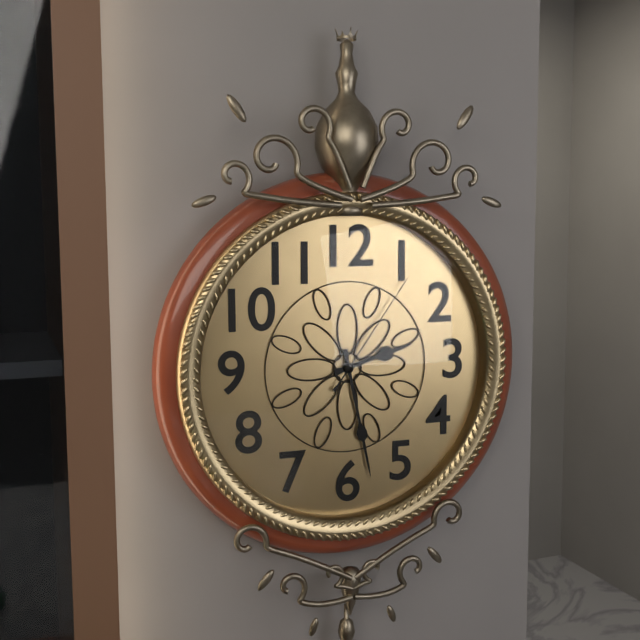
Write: 2:28:06
